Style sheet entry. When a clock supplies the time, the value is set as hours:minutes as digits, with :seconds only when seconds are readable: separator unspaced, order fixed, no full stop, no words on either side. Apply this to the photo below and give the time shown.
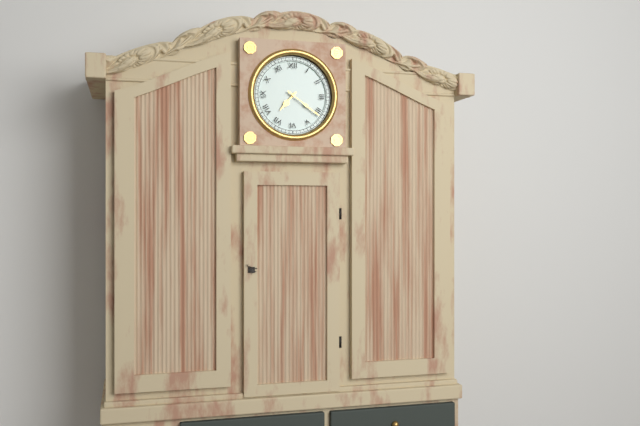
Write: 7:21
